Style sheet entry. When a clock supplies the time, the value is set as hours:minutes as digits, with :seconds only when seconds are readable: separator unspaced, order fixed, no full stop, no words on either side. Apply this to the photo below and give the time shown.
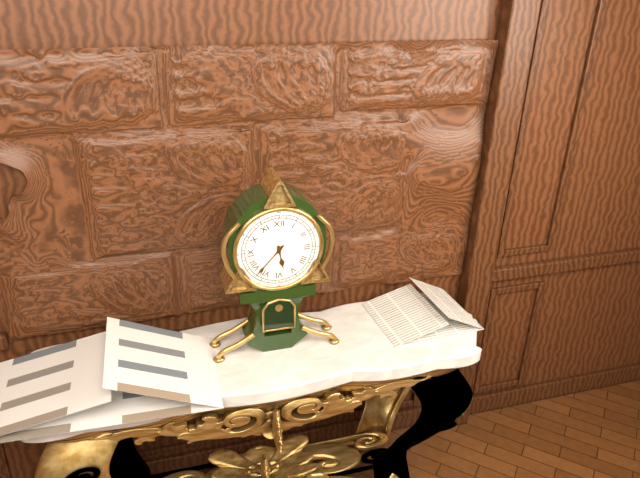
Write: 5:37
